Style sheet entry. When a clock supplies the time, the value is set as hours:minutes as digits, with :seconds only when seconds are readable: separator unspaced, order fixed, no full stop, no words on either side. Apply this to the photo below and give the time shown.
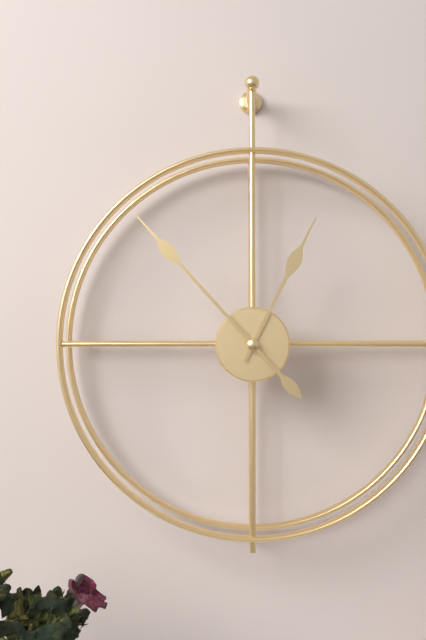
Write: 12:53
